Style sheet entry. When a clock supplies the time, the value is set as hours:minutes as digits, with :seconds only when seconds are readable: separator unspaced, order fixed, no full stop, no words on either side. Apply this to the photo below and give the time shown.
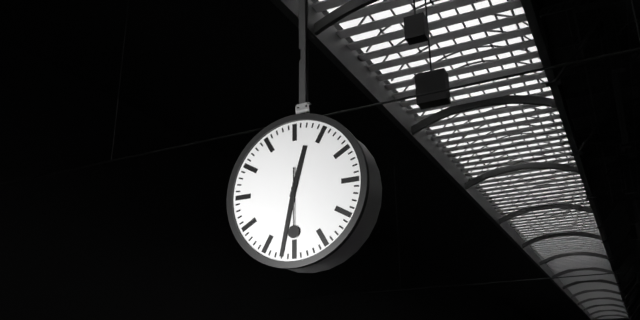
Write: 12:32:30
